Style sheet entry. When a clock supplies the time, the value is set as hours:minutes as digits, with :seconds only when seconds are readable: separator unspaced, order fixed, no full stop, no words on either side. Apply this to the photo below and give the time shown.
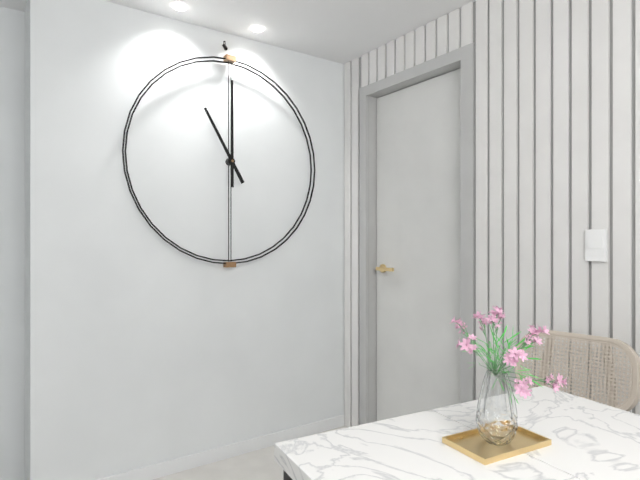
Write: 11:00
